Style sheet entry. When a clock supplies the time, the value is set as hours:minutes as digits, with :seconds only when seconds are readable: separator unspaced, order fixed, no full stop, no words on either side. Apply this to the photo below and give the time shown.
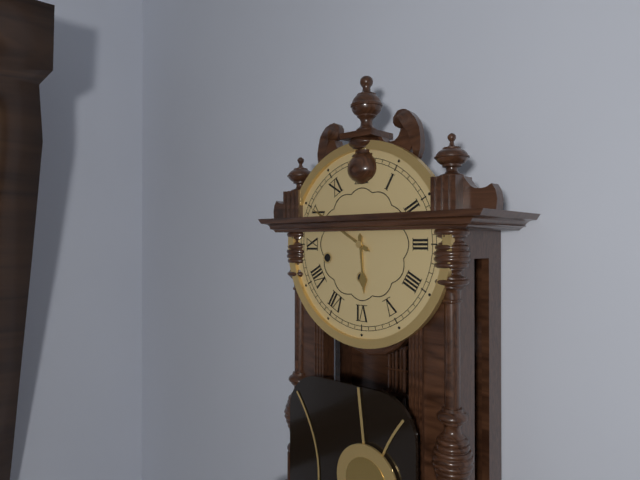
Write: 5:50
